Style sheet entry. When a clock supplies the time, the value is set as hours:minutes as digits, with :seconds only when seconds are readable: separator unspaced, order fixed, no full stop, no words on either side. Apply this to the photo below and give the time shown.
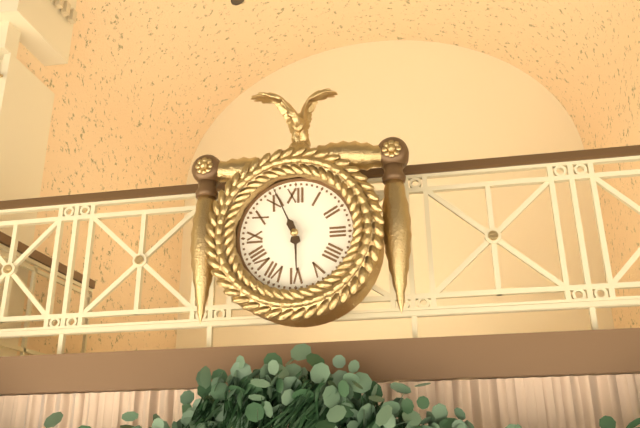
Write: 5:56
